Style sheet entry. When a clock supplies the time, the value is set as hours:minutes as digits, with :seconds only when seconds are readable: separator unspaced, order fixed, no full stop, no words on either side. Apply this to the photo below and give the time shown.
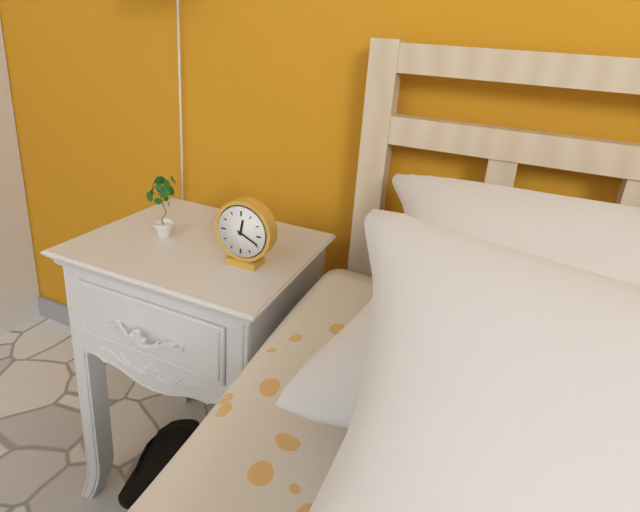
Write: 12:19
